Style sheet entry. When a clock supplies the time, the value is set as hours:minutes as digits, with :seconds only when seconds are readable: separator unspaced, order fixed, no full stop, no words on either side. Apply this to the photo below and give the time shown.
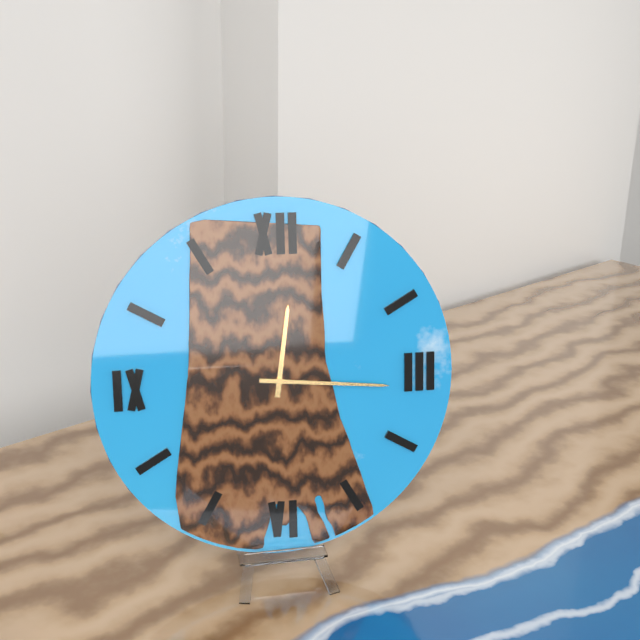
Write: 12:16
